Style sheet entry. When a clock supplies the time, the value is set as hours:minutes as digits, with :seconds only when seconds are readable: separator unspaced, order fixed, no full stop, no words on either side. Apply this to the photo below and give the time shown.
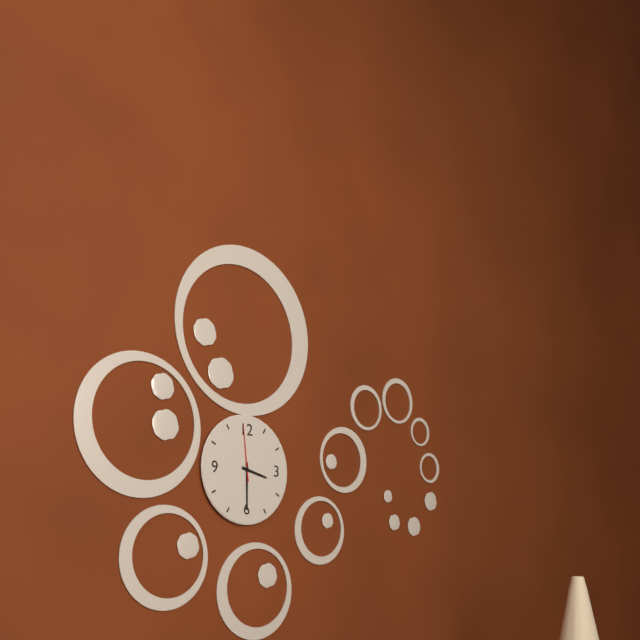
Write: 3:30:59
